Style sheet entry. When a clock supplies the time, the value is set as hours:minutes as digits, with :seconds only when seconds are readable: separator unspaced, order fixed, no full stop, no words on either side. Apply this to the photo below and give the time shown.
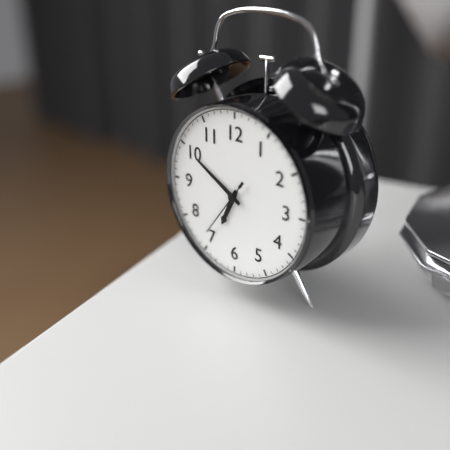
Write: 6:50:36
